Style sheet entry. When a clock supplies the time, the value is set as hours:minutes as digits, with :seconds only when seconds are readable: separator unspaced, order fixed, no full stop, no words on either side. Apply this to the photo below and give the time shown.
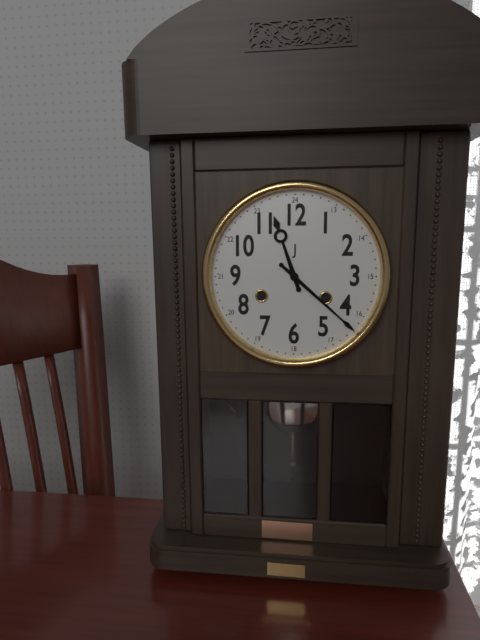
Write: 11:22
